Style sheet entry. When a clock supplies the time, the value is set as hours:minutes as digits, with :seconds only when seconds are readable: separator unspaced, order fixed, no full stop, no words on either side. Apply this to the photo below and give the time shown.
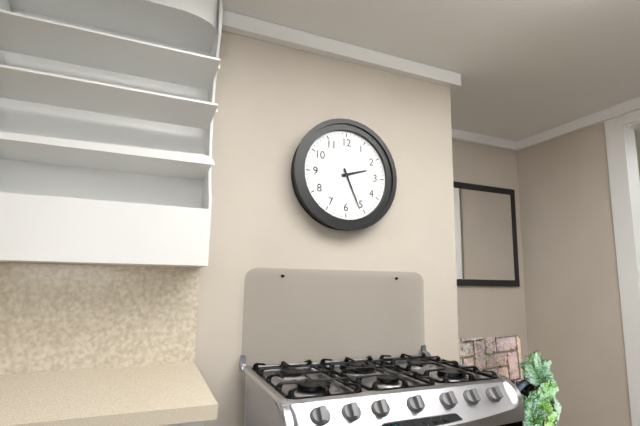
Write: 2:26
